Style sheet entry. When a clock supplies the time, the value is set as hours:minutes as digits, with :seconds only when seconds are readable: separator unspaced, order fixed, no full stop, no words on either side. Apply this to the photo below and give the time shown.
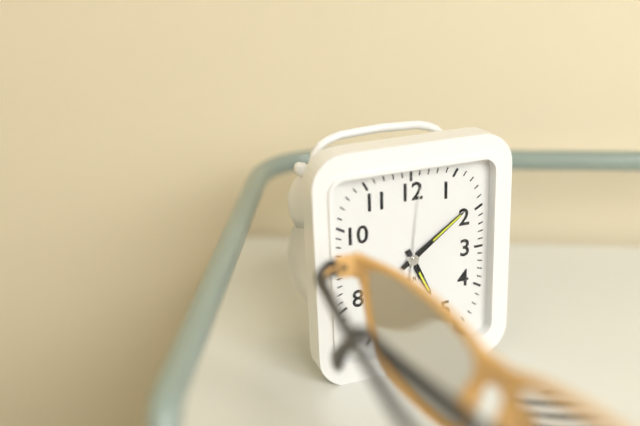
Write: 5:09:01
